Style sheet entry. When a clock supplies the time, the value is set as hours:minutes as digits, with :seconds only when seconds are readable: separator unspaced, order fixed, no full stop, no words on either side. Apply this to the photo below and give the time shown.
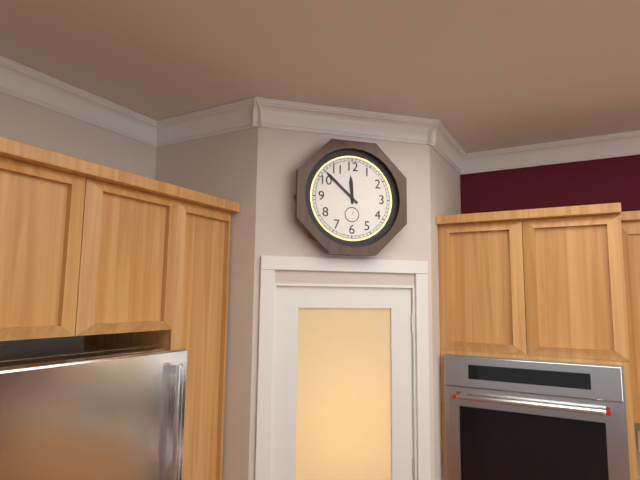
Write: 11:52
